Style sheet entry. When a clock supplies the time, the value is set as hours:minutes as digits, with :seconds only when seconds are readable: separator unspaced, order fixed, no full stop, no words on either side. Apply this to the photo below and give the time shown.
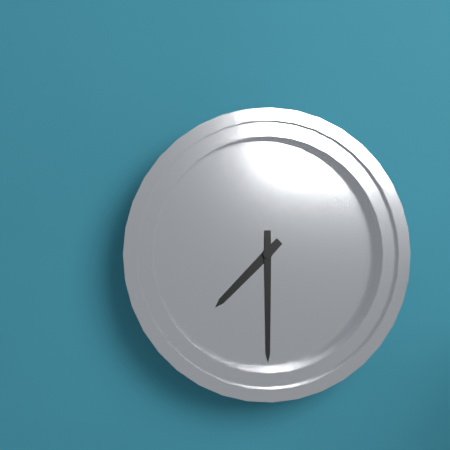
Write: 7:30
